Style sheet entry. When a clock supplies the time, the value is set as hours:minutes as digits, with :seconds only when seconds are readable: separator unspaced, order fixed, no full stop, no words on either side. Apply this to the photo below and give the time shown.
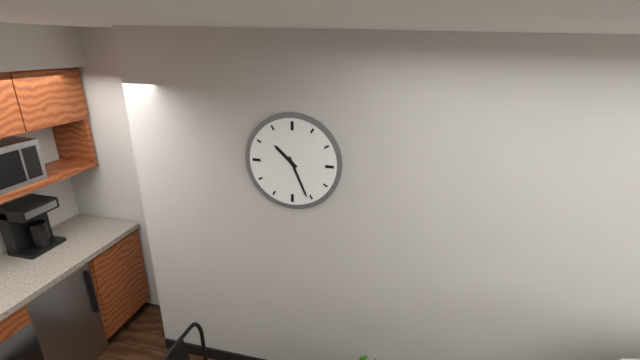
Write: 10:26
